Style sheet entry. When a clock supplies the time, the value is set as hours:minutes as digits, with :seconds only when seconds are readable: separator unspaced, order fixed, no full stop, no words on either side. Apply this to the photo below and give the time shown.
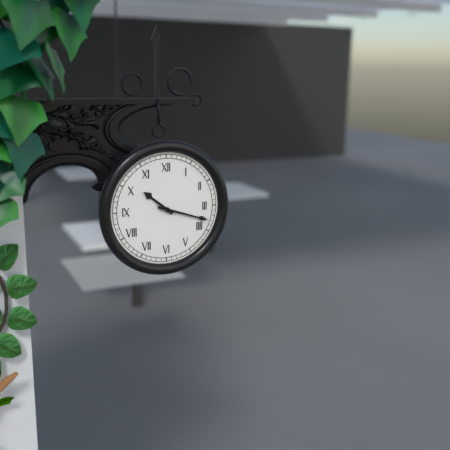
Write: 10:18
